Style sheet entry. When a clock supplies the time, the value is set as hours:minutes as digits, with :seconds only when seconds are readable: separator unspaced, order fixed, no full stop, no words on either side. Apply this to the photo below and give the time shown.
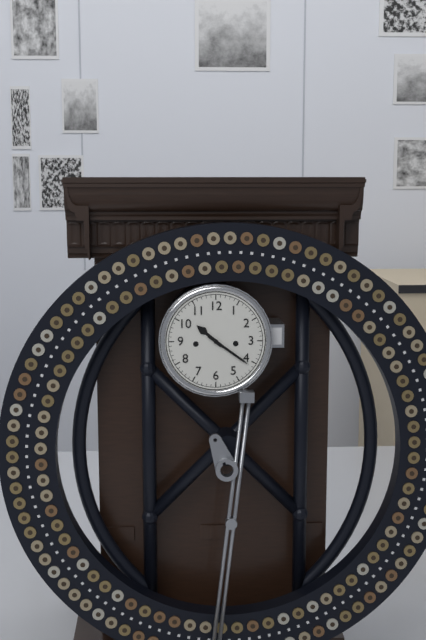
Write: 10:21
